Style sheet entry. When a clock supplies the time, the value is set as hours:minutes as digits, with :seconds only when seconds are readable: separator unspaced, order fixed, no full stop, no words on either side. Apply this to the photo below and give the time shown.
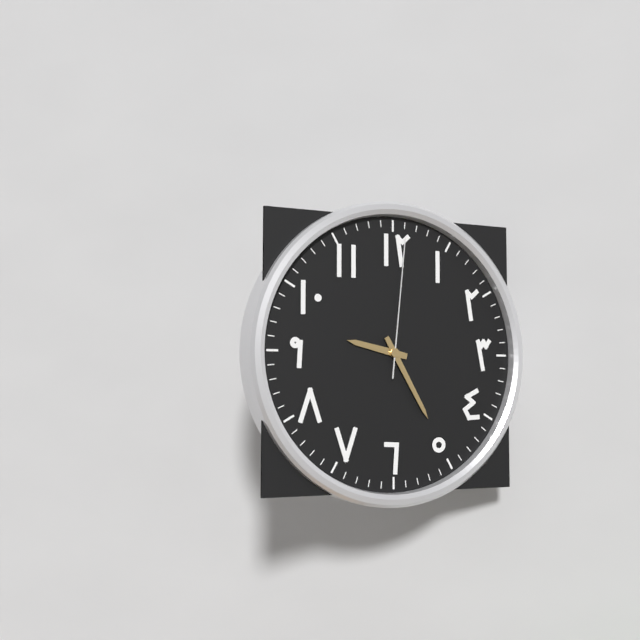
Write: 9:25:01
